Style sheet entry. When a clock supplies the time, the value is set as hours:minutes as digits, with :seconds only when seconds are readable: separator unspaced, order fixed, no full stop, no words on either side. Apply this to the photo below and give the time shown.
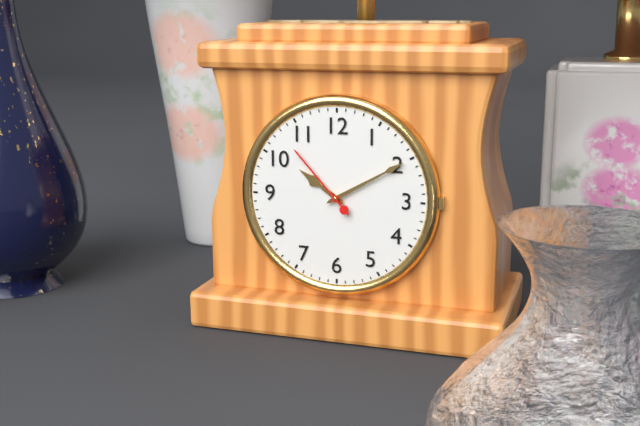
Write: 10:10:53
